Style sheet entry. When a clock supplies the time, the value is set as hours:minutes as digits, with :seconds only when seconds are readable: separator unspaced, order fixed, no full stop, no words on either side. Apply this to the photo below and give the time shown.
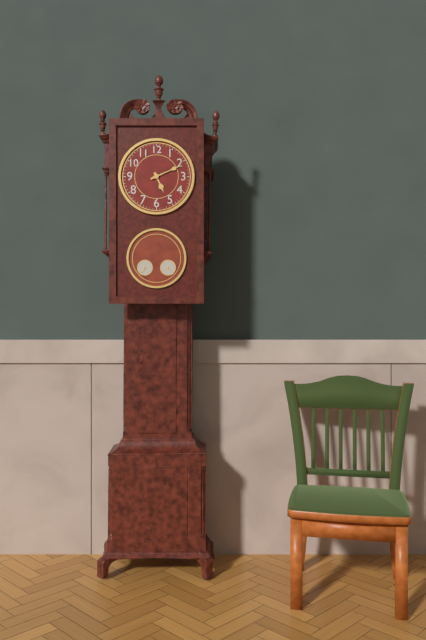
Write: 5:11
